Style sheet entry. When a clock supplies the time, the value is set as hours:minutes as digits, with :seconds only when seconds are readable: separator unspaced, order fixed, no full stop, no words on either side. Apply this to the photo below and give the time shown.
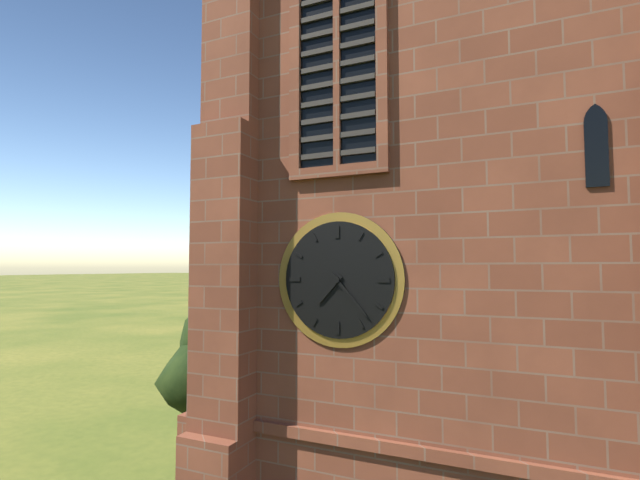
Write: 7:23
